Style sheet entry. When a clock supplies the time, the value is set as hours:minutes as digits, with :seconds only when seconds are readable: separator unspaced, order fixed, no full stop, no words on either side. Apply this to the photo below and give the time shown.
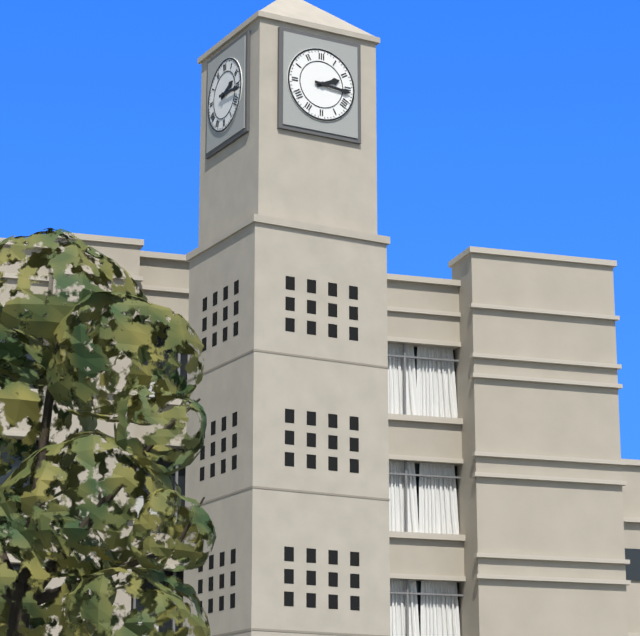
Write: 2:16
